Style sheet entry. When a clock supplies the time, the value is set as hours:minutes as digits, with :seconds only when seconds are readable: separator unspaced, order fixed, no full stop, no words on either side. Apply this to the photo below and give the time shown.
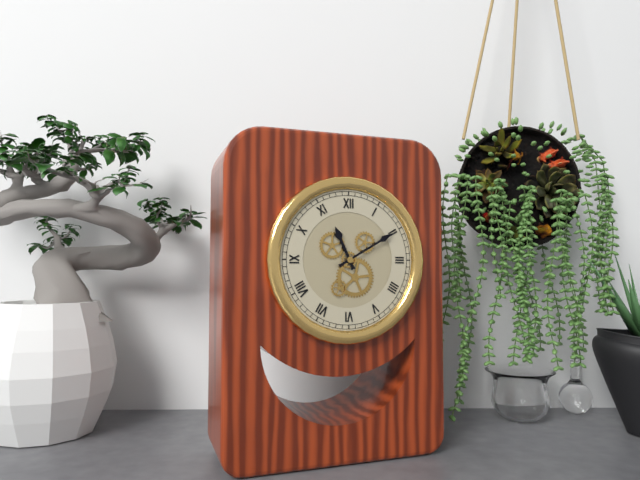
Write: 11:10
